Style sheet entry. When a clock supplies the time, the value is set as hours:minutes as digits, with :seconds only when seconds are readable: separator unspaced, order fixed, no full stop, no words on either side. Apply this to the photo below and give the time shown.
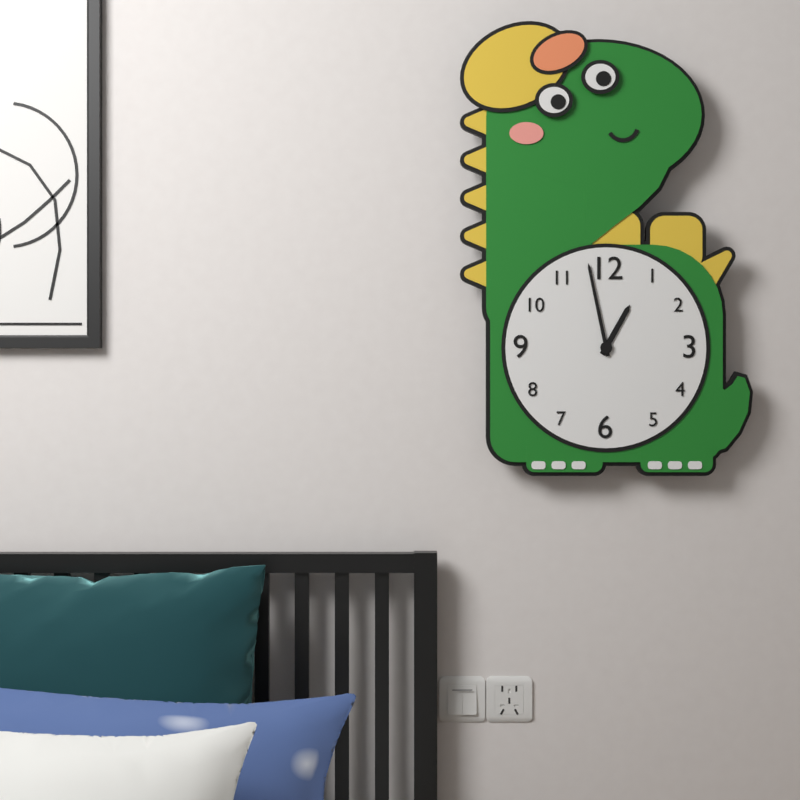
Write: 12:58
